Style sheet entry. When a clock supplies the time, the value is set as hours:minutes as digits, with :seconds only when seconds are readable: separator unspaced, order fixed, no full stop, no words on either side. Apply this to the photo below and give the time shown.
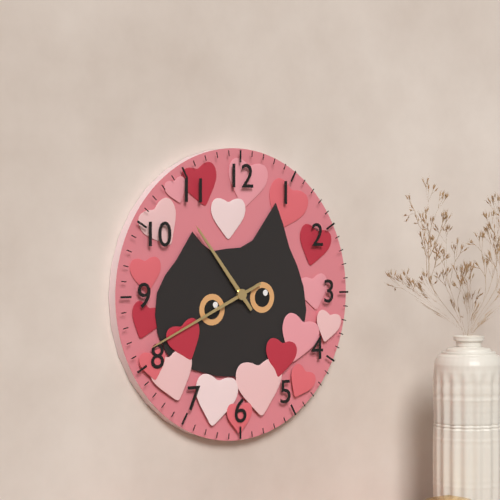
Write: 10:41
